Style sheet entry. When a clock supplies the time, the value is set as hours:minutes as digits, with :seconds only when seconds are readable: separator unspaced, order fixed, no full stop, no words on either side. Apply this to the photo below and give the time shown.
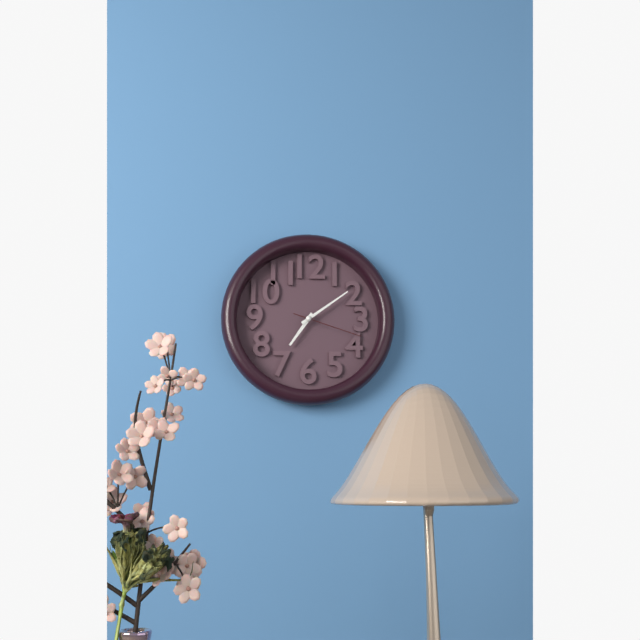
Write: 7:09:18
